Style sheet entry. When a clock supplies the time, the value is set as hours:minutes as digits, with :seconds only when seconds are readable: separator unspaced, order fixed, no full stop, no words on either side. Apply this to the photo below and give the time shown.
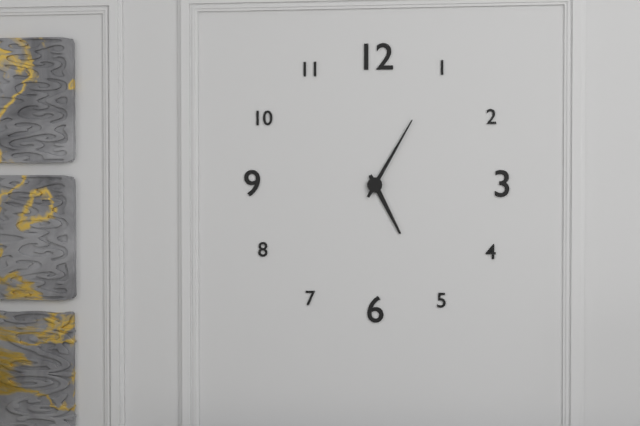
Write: 5:05
